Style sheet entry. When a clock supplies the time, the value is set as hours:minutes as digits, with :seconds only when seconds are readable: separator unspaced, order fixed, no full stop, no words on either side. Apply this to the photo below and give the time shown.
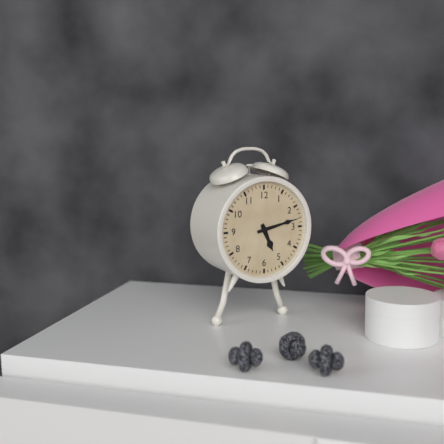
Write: 5:13
